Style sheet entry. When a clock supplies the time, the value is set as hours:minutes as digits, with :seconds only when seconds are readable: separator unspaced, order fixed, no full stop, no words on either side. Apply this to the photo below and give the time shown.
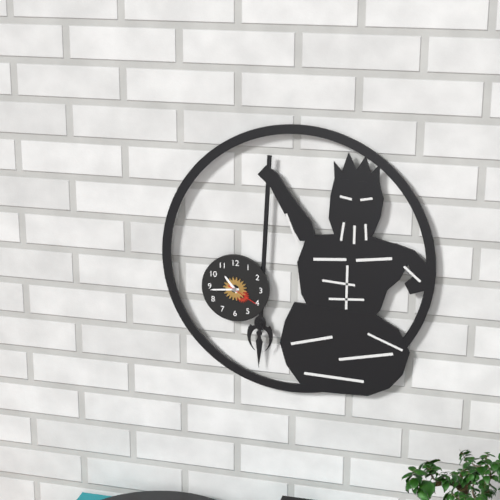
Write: 10:44
